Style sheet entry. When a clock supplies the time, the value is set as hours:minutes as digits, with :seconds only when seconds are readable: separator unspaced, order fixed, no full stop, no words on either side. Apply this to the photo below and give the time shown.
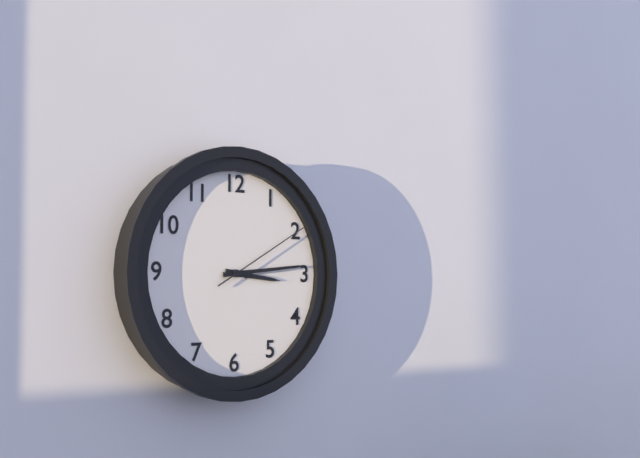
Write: 3:14:10
